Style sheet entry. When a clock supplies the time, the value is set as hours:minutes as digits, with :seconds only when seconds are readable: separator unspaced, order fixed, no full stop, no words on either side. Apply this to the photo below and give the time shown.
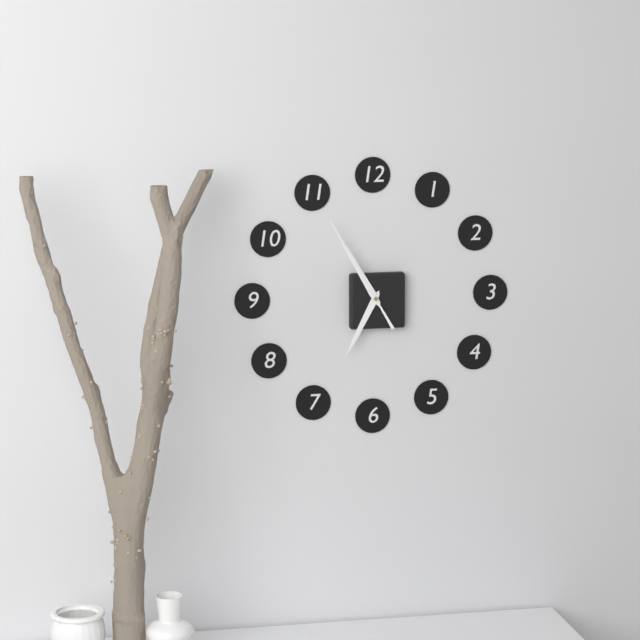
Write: 6:55:55
